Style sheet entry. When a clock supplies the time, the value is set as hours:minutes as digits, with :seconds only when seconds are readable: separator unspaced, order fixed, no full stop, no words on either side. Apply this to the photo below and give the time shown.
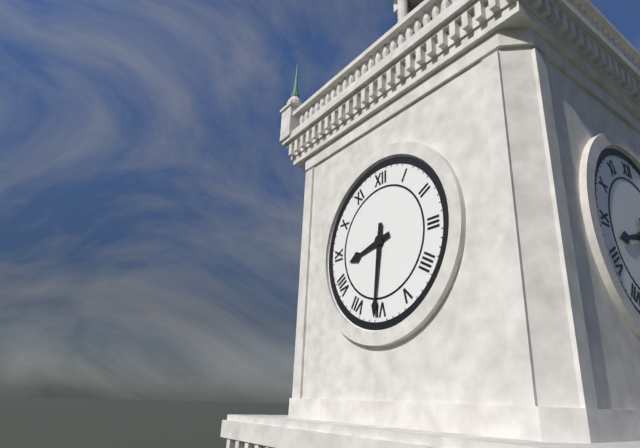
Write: 8:31
